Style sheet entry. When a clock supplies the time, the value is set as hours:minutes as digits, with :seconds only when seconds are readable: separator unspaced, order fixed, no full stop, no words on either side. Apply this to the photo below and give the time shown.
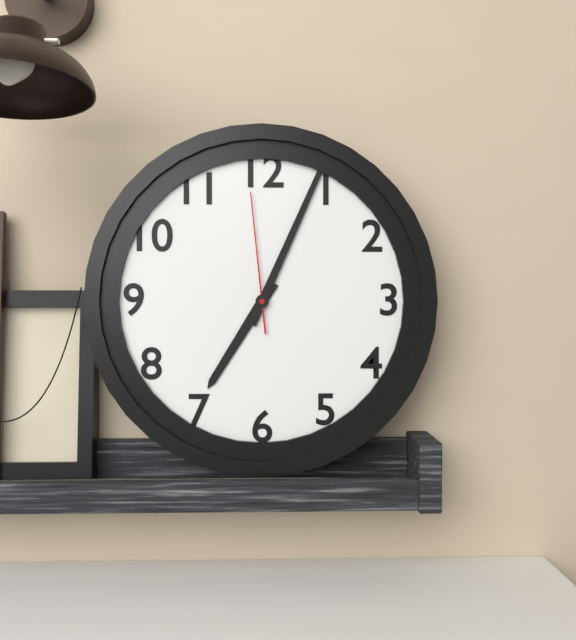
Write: 7:04:59
